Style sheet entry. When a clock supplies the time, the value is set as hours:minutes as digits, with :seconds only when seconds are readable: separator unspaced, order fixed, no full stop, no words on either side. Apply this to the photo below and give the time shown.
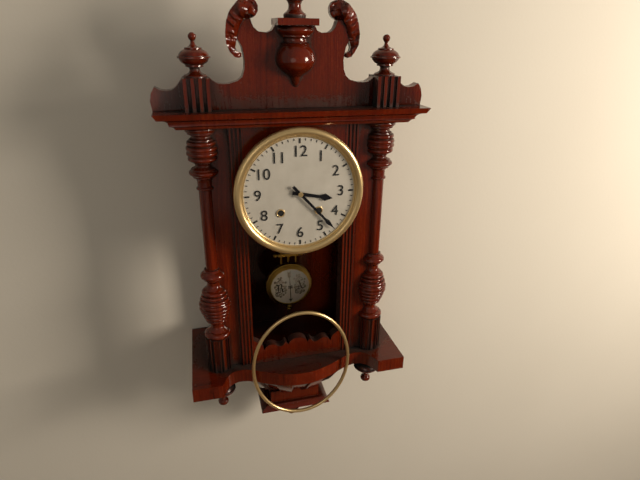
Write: 3:23
